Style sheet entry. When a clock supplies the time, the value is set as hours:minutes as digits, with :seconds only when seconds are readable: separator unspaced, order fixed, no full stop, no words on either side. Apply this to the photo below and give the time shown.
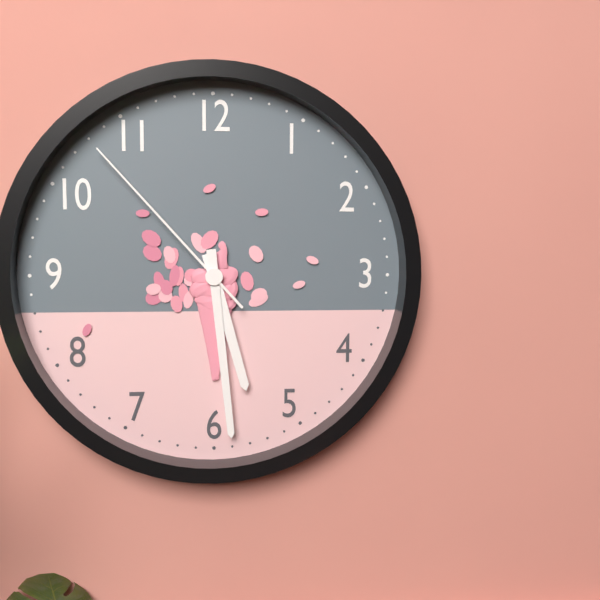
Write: 5:29:53
